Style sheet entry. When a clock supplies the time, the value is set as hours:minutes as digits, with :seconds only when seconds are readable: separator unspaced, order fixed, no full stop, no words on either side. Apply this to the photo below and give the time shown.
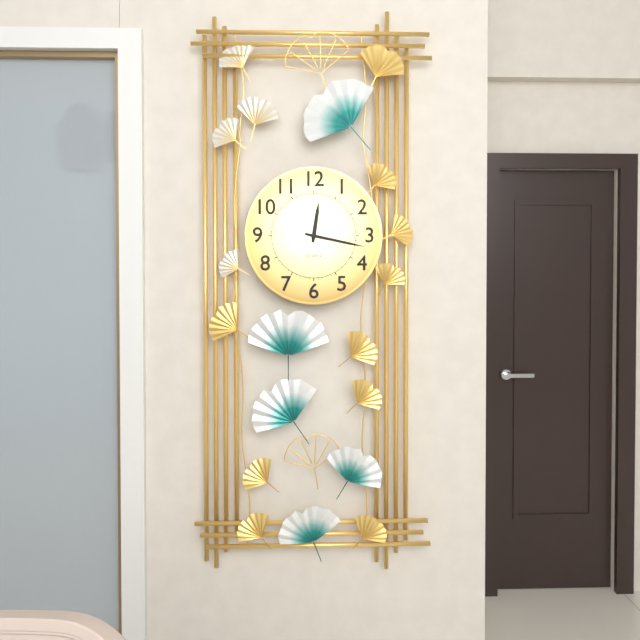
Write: 12:17
